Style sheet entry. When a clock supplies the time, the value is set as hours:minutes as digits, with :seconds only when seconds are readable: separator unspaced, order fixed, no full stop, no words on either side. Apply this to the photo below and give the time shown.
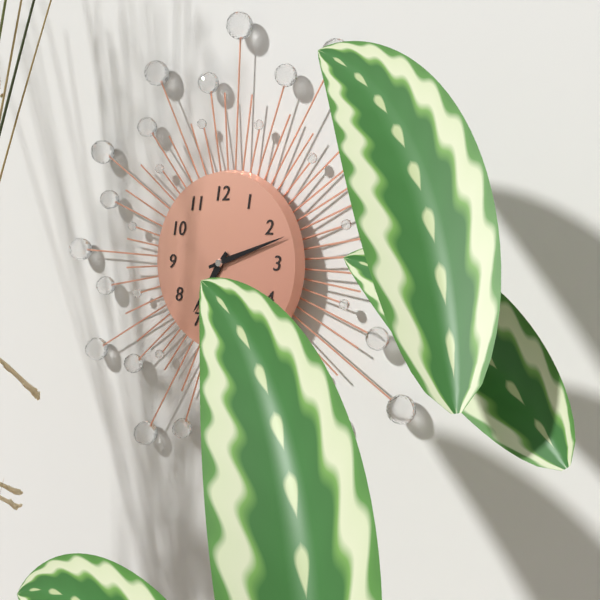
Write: 7:12
